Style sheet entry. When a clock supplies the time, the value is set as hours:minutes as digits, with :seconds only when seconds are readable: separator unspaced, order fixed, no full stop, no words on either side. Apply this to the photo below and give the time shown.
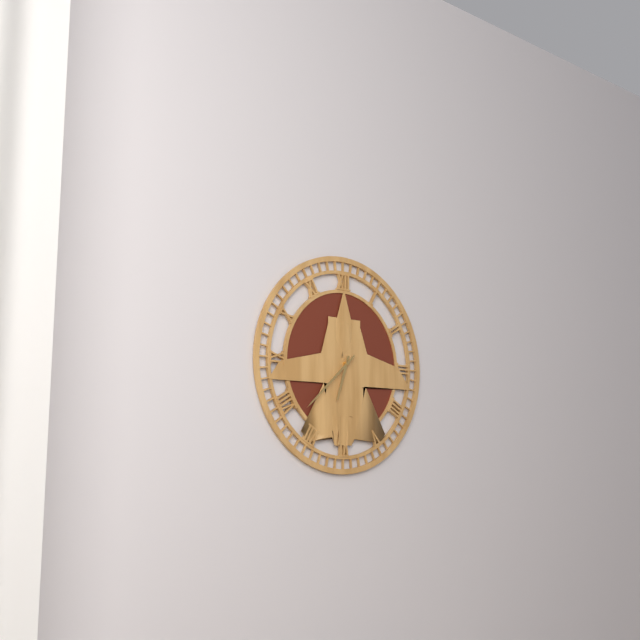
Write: 6:38
